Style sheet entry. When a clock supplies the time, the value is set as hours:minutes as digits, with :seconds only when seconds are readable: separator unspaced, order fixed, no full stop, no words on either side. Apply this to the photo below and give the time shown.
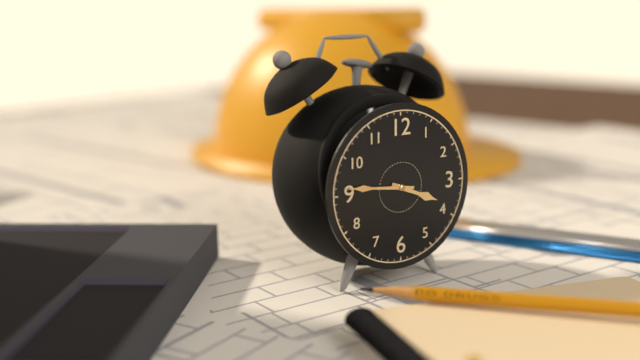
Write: 3:46
